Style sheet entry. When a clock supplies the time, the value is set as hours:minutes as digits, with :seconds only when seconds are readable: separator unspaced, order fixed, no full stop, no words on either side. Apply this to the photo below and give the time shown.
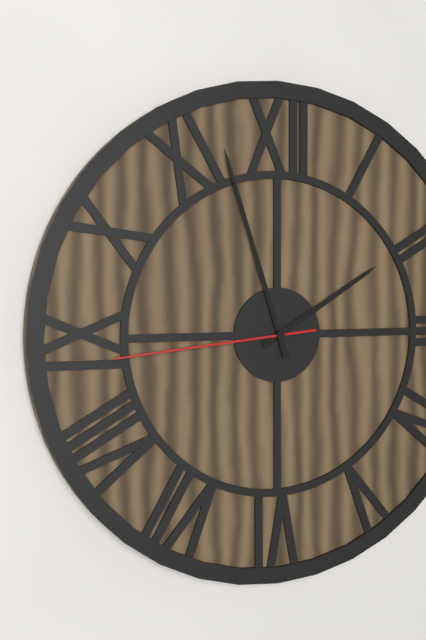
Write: 1:57:44
